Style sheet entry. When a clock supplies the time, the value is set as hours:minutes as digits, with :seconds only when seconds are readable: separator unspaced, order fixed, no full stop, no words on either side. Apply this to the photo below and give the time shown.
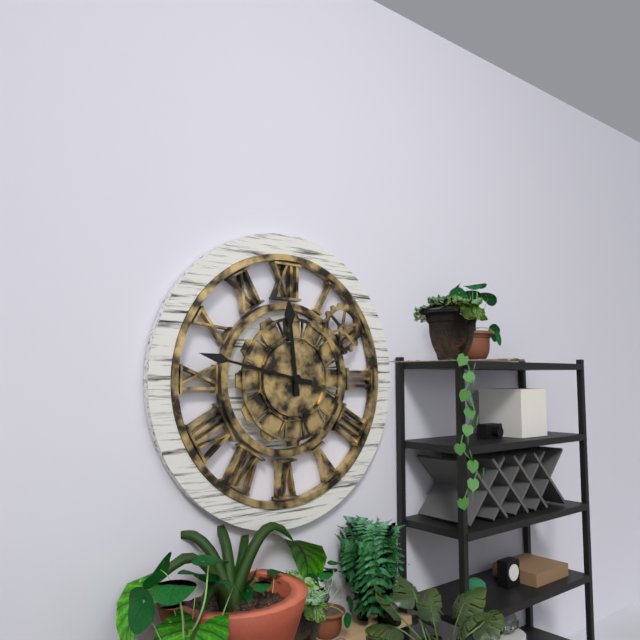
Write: 11:47
